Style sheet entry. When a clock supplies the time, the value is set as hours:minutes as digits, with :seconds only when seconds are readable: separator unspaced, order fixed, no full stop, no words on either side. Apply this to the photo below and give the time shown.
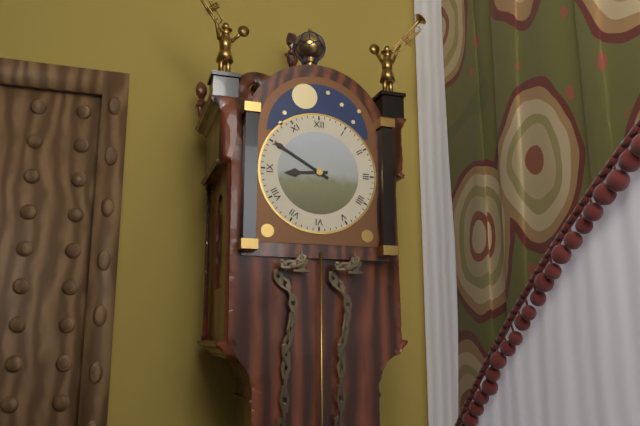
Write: 8:50
